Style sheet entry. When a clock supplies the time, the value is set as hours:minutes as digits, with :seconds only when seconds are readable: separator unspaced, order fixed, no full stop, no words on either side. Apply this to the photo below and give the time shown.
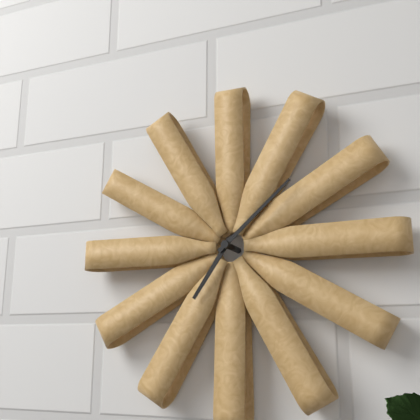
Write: 7:08
